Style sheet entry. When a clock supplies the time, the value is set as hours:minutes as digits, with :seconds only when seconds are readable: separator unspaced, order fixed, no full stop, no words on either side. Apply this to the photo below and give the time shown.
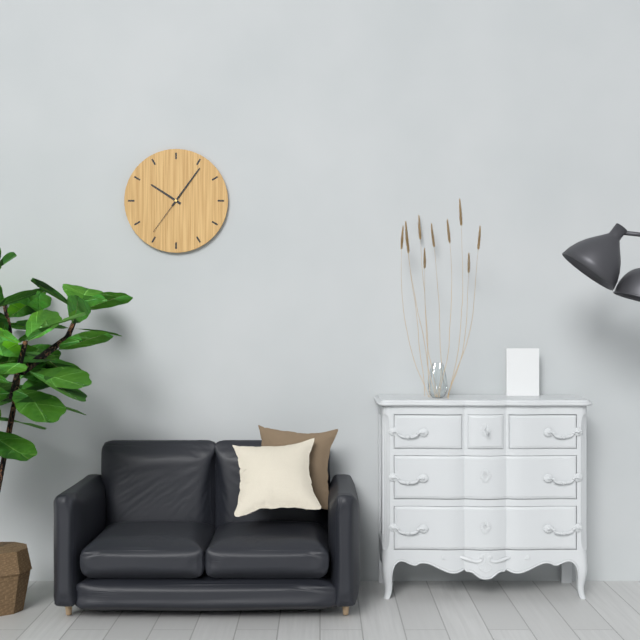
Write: 10:06
